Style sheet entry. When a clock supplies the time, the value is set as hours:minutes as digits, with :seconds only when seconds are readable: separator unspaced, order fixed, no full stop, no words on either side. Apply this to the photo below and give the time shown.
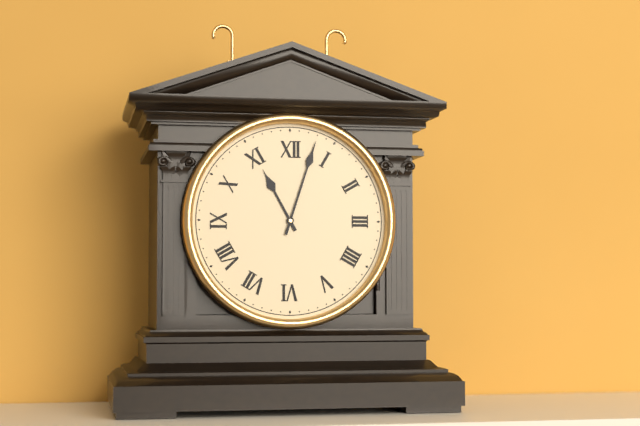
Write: 11:03
